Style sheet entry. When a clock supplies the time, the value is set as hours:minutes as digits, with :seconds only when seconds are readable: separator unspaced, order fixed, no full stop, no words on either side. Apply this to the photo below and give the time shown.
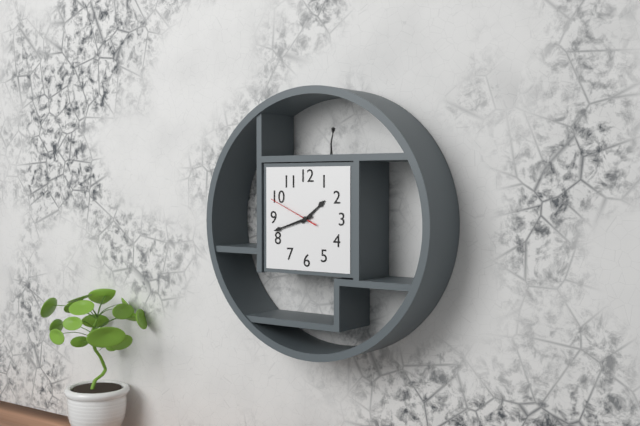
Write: 1:42:49
